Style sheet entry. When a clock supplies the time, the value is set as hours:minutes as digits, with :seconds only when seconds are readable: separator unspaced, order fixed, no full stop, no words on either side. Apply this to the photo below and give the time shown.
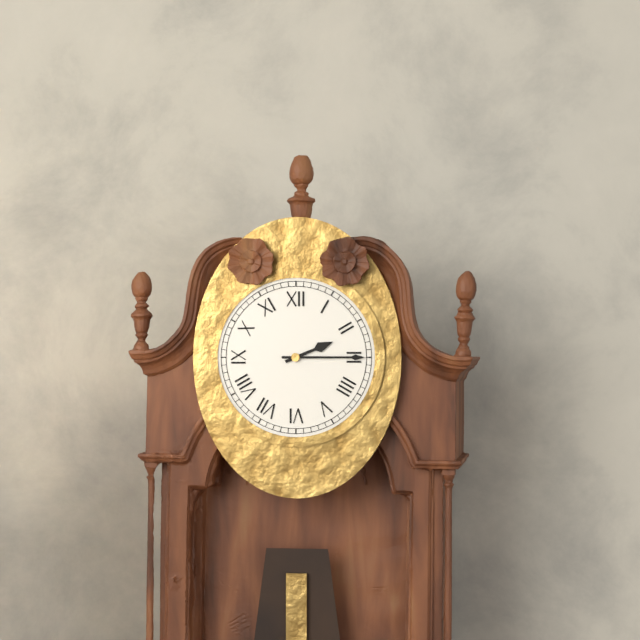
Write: 2:15
